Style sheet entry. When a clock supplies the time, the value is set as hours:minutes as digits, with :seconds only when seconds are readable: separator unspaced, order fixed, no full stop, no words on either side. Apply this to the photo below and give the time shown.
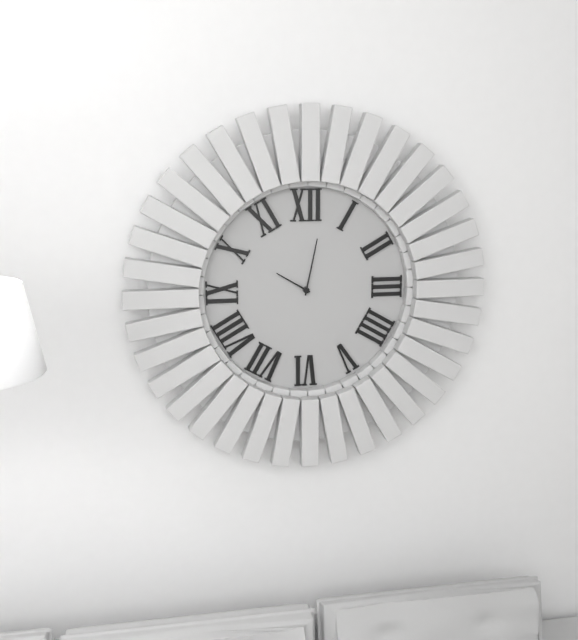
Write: 10:02
